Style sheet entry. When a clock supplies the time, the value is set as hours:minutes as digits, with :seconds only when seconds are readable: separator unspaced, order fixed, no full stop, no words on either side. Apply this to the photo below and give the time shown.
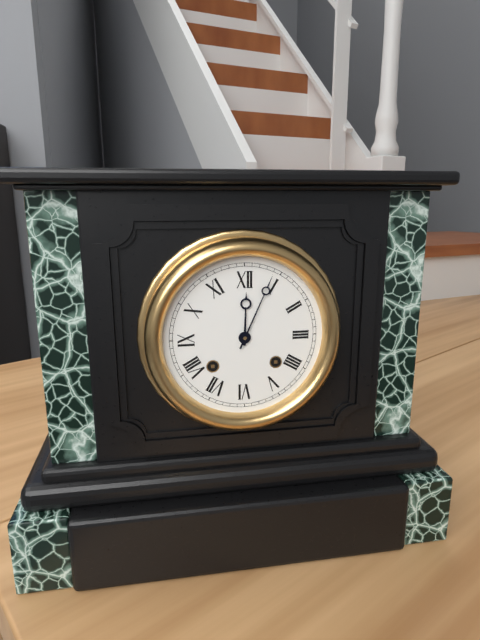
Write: 12:04
